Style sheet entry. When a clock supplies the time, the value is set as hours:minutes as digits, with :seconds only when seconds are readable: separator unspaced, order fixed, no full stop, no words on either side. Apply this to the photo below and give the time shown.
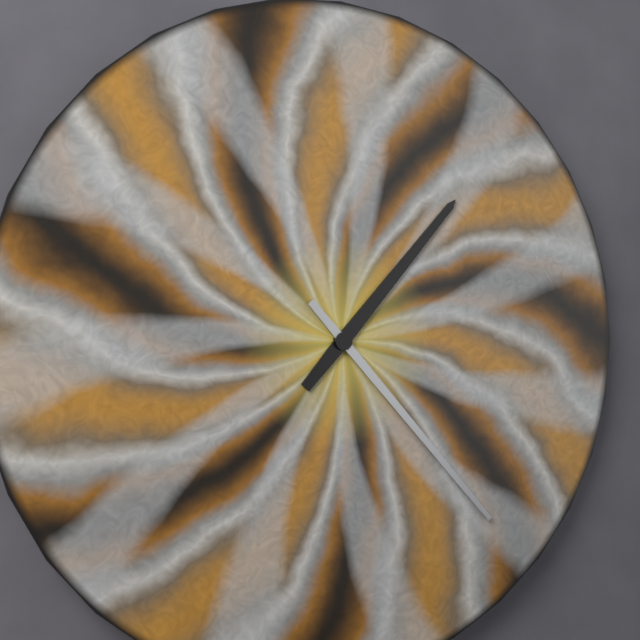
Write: 1:23
